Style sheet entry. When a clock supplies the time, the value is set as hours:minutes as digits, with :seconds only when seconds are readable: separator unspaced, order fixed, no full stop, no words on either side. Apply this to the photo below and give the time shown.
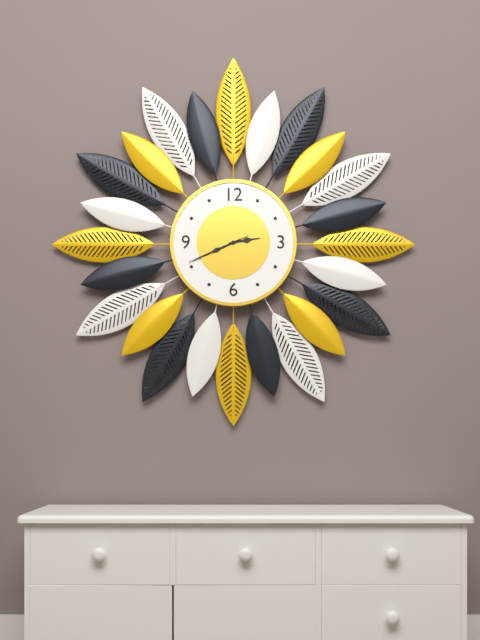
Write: 2:41:41
